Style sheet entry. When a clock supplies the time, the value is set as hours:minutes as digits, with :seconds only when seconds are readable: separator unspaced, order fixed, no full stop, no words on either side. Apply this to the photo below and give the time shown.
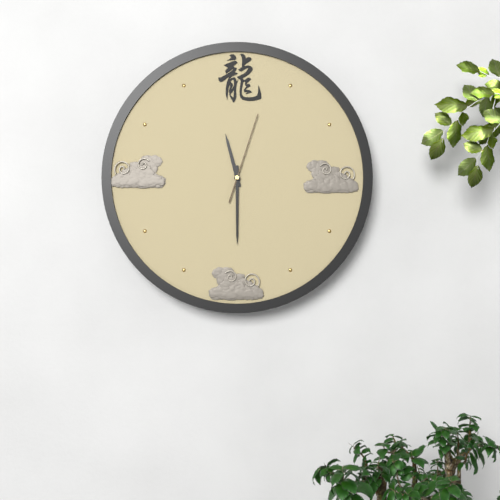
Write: 11:30:03
